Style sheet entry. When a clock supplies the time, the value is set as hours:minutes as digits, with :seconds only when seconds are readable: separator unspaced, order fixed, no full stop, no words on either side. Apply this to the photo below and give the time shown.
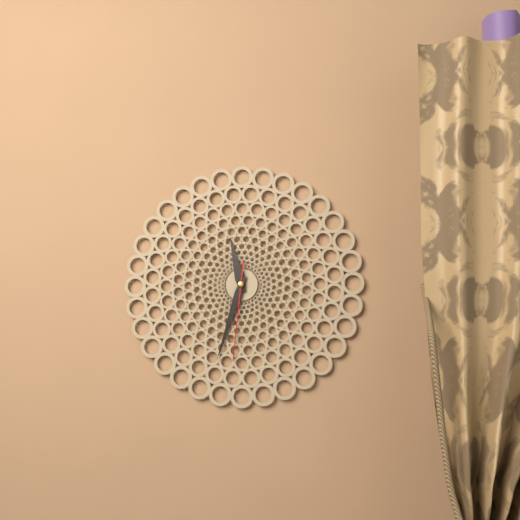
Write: 11:33:31
